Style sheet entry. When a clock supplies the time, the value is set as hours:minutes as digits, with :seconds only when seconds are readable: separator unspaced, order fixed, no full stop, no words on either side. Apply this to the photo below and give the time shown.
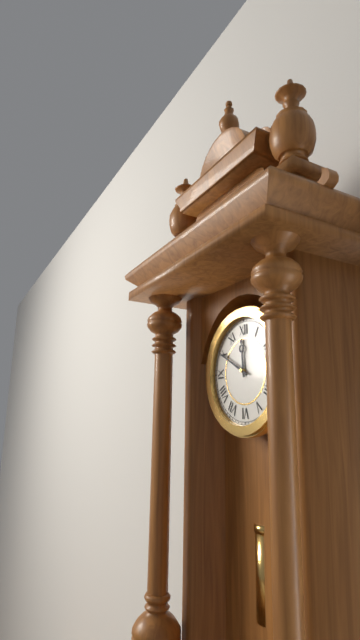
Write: 11:50
